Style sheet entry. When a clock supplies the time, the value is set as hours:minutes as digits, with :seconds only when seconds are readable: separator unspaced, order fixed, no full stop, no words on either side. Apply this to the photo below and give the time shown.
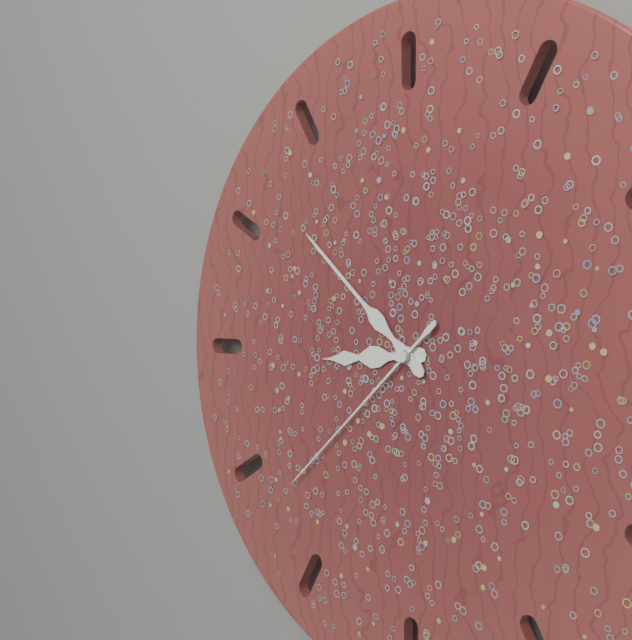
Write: 8:52:38
